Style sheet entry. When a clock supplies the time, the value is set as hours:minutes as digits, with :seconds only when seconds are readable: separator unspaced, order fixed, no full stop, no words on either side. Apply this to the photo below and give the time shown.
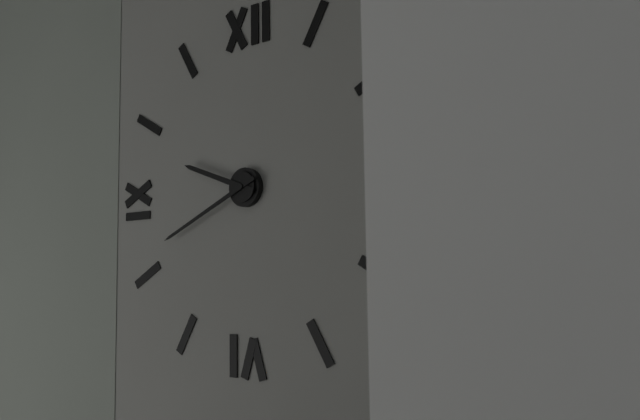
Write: 9:41
